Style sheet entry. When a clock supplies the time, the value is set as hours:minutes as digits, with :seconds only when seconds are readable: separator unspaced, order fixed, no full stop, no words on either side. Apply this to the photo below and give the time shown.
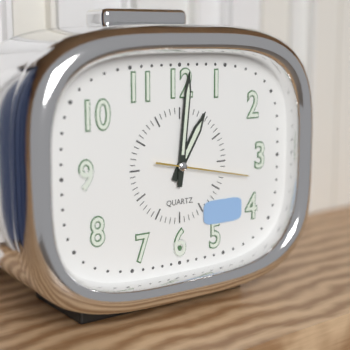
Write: 1:01:17
